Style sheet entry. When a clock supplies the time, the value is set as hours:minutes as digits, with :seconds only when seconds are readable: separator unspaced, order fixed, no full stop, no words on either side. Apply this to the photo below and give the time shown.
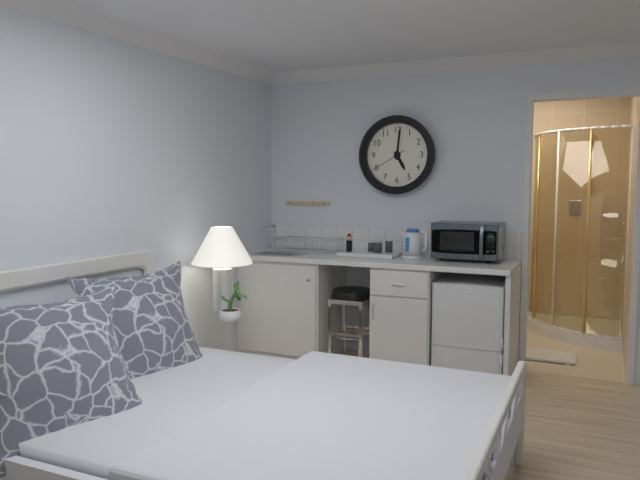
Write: 5:01
